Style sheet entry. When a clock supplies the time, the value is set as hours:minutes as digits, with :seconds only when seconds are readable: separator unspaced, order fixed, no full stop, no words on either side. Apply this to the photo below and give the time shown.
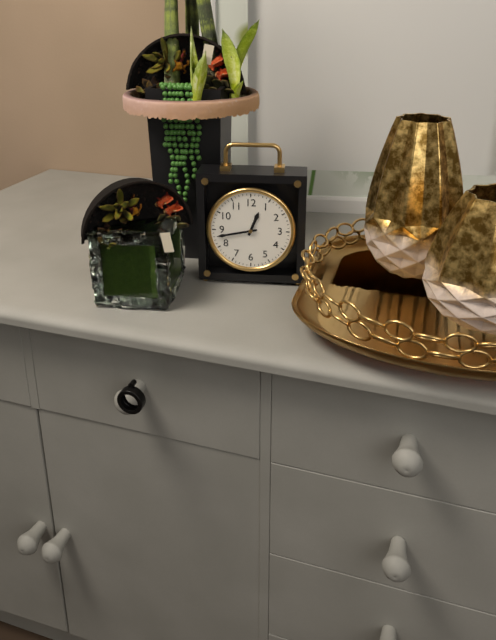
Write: 12:43
